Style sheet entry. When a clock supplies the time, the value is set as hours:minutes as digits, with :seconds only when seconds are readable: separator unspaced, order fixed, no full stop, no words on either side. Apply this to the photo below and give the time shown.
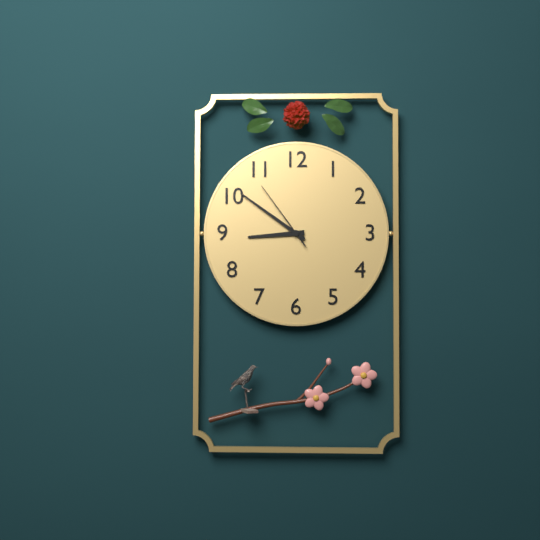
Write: 8:51:54
